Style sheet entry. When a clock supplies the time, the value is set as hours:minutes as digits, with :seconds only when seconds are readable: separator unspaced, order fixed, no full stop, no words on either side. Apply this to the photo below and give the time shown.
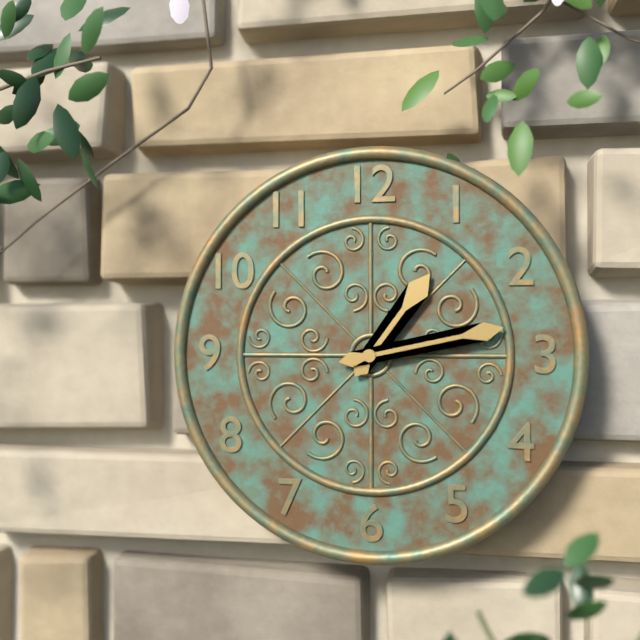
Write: 1:13
